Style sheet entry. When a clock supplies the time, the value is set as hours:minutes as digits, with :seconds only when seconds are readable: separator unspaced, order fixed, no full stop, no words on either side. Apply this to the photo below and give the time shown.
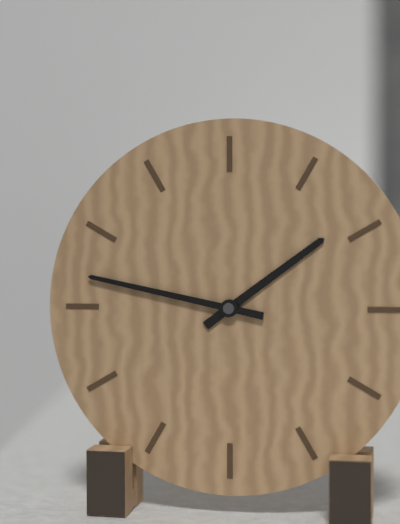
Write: 1:47
